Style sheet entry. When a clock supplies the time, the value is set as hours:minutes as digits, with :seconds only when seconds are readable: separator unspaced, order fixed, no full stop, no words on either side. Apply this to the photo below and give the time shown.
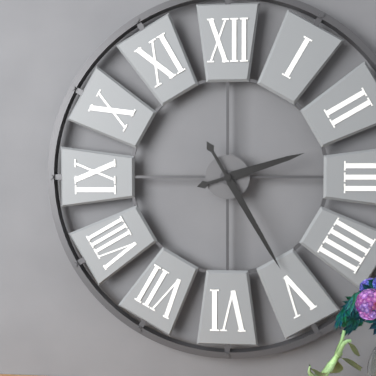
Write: 2:25
